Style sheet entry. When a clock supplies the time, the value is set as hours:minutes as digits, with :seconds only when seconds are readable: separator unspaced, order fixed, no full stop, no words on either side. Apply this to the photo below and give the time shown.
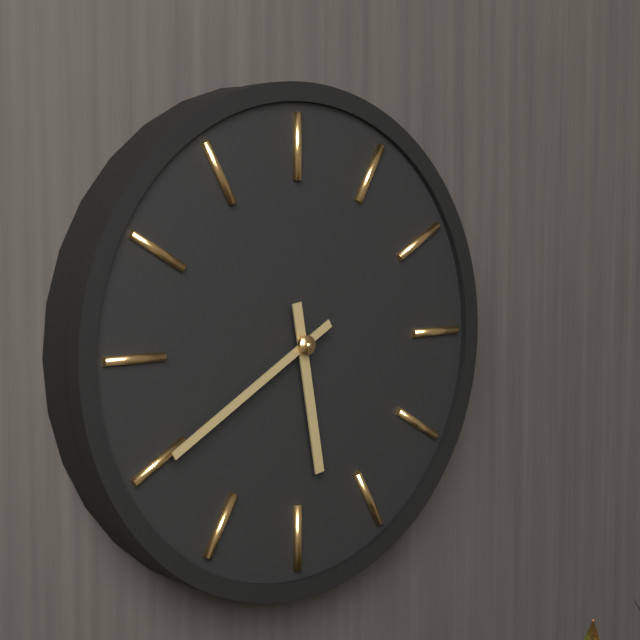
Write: 5:40
